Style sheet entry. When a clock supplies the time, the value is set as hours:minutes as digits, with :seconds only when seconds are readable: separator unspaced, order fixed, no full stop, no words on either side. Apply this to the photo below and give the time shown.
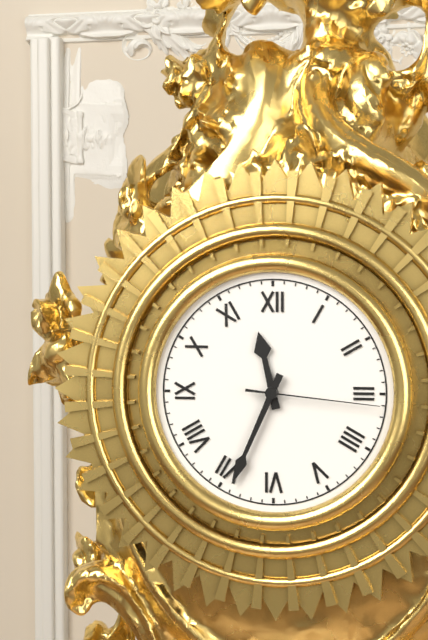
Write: 11:34:16
